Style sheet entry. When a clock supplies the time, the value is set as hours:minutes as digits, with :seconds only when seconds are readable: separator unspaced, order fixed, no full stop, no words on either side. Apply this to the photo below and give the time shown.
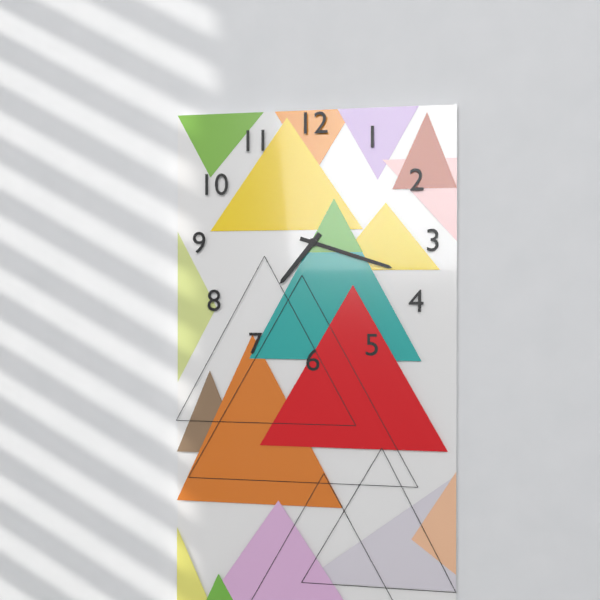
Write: 7:18
